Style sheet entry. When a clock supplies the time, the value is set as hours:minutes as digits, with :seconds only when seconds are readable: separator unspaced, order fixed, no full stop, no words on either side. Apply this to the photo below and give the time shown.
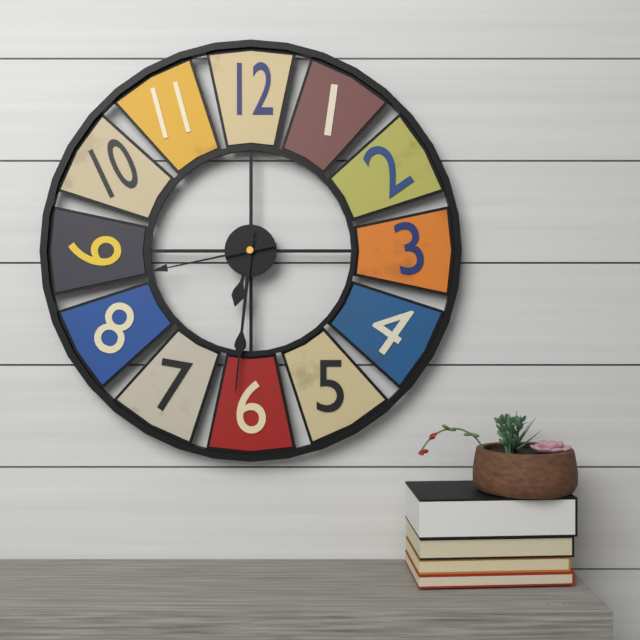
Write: 6:31:43
